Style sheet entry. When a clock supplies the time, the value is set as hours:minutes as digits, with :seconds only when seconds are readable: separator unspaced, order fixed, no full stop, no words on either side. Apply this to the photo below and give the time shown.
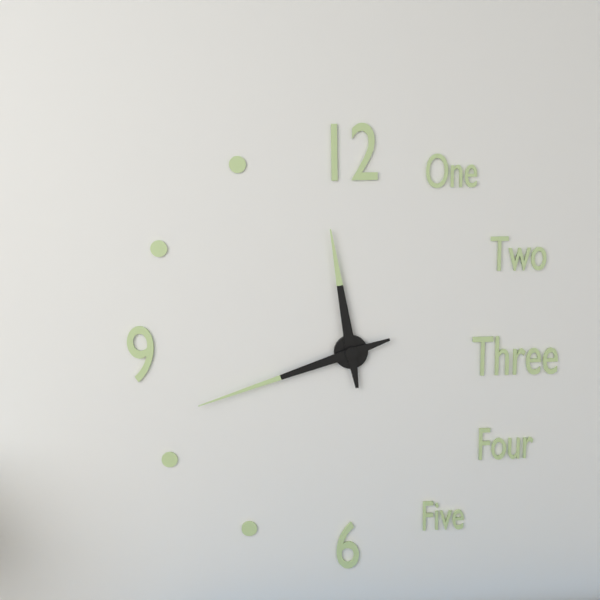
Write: 11:42
